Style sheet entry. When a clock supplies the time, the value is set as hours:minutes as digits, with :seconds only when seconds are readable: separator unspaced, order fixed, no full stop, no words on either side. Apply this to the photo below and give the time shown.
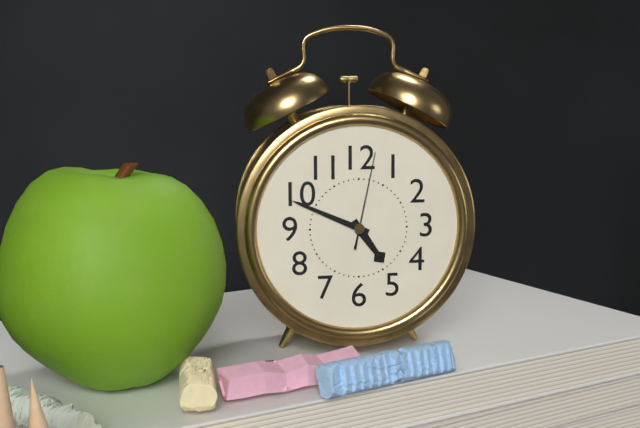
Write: 4:49:02
